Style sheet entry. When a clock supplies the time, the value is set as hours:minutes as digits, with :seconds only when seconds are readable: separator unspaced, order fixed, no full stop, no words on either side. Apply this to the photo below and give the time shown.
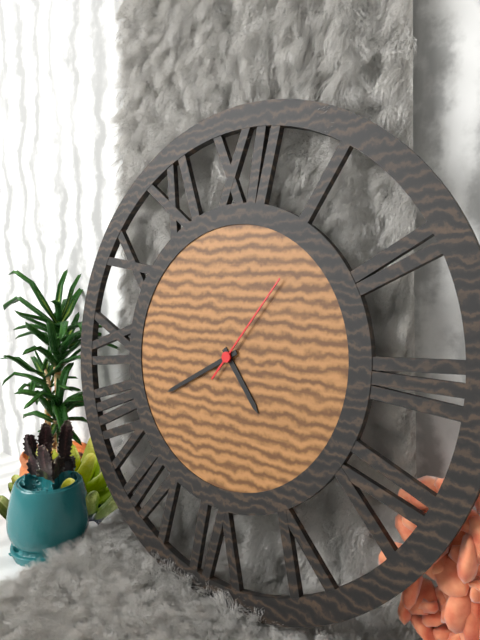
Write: 4:40:06
